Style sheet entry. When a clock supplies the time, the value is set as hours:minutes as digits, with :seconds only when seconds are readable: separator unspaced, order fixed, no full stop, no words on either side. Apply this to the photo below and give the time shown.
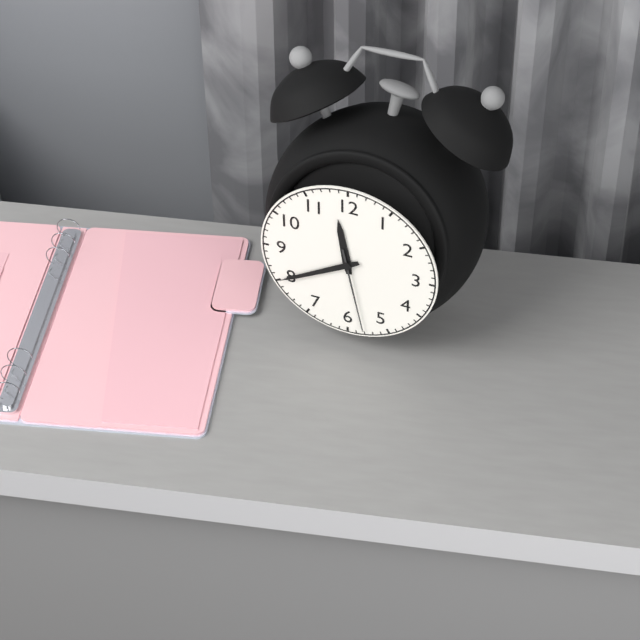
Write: 11:40:28
